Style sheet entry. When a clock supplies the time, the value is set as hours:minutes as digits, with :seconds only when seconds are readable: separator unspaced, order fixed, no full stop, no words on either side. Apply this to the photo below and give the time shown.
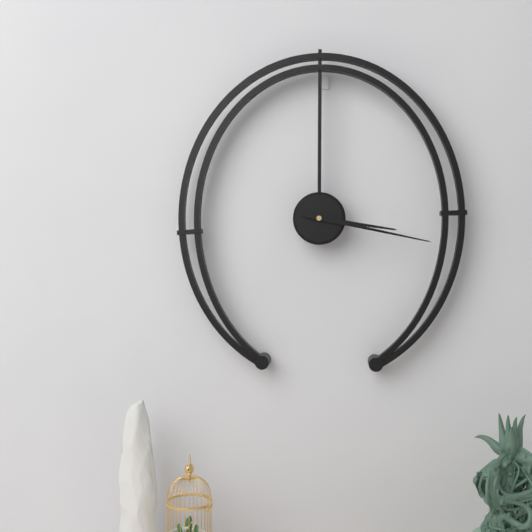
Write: 3:17
